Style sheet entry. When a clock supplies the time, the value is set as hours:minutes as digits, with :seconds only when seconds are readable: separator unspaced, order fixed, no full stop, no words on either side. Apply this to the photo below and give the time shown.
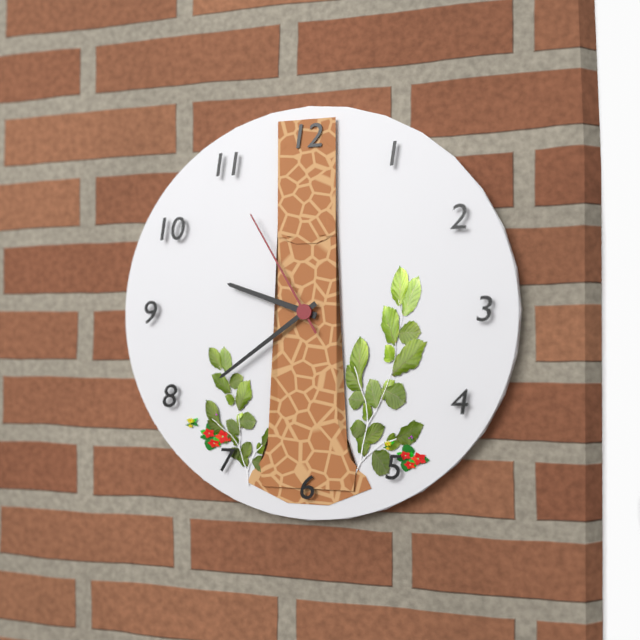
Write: 9:39:55
